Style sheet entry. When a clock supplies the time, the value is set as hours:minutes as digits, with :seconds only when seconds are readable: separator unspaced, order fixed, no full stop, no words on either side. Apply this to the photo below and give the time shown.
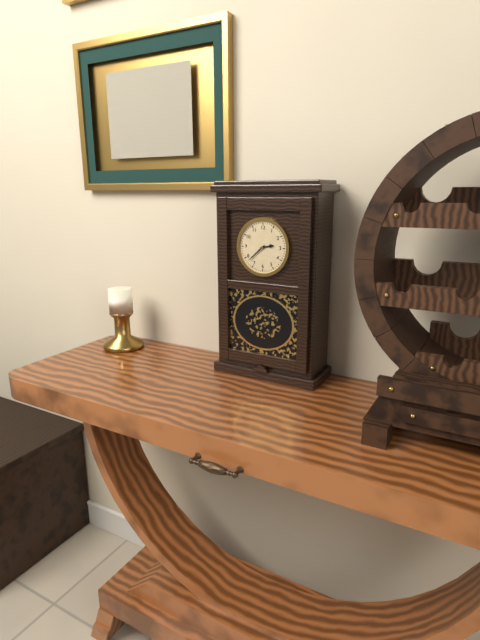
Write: 2:38
